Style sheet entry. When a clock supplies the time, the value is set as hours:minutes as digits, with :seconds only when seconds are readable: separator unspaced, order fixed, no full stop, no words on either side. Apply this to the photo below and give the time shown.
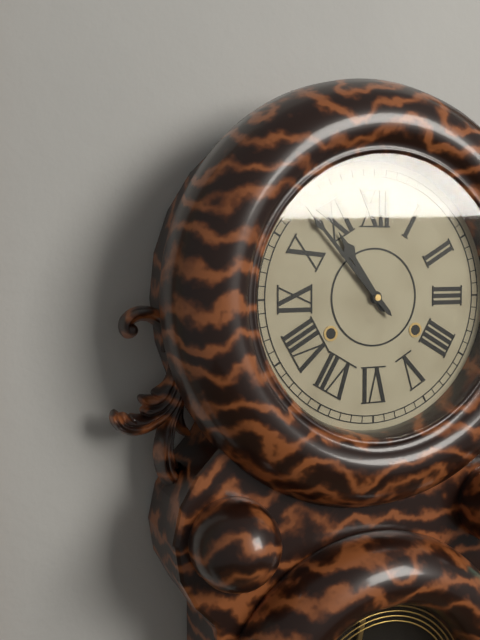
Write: 10:53
